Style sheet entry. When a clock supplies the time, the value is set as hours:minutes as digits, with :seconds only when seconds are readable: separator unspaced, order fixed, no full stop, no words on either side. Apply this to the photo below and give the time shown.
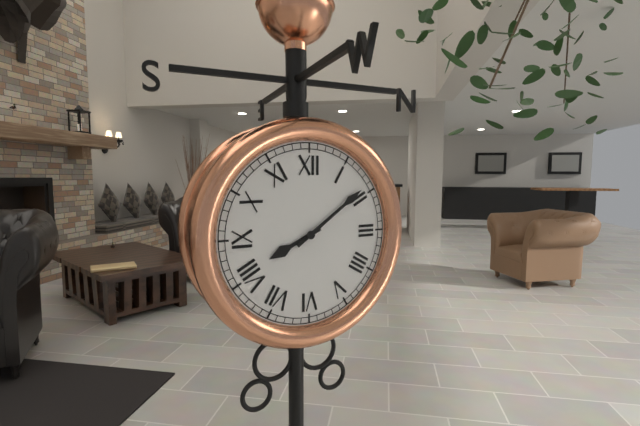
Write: 8:09
